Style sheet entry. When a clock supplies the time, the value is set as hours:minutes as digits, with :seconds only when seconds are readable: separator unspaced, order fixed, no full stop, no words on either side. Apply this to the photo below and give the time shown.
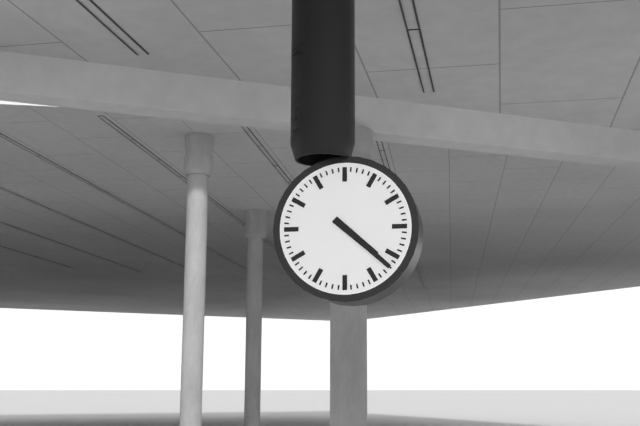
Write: 4:22
